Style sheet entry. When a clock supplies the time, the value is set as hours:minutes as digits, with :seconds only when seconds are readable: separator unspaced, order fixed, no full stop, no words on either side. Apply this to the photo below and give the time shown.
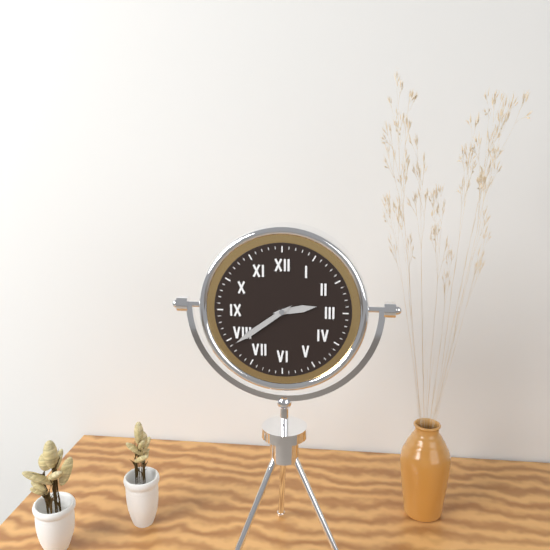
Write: 2:39
